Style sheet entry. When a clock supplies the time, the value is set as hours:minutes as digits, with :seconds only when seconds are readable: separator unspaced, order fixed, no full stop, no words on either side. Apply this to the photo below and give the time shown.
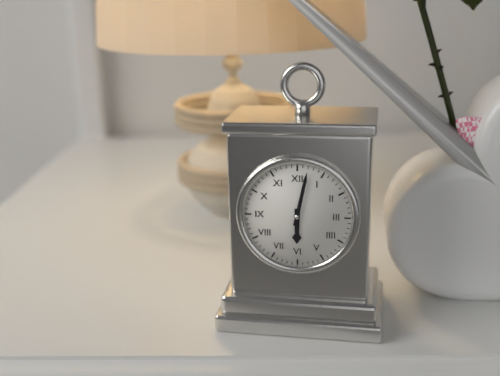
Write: 6:02
